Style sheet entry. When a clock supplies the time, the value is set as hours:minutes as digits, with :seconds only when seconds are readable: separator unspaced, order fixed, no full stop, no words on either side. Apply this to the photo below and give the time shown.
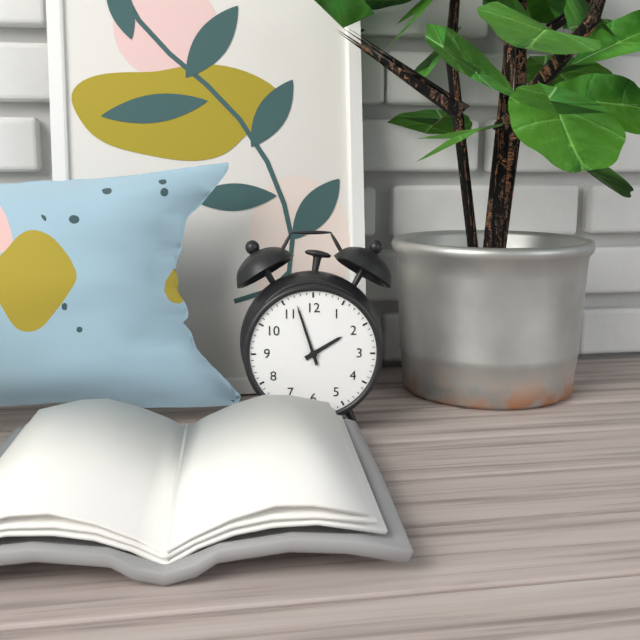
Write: 1:57
